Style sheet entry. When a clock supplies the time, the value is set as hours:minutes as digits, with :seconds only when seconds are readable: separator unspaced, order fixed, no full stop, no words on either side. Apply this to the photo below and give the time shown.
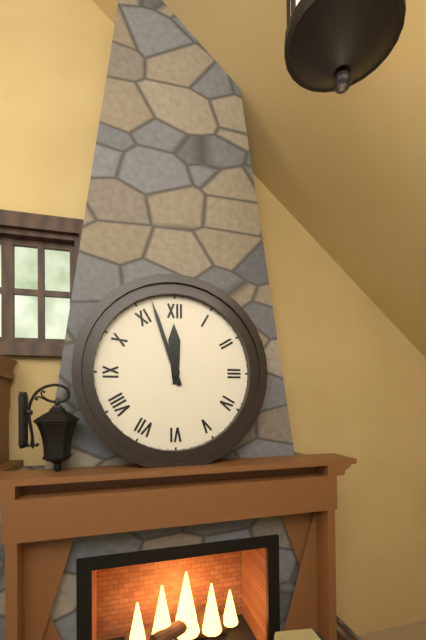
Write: 11:57
